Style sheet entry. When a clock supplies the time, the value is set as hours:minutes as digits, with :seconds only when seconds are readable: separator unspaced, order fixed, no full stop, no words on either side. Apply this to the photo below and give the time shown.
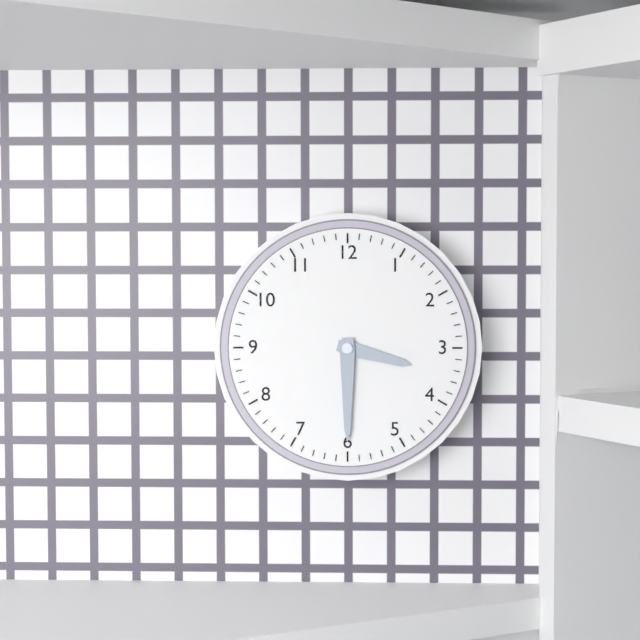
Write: 3:30
